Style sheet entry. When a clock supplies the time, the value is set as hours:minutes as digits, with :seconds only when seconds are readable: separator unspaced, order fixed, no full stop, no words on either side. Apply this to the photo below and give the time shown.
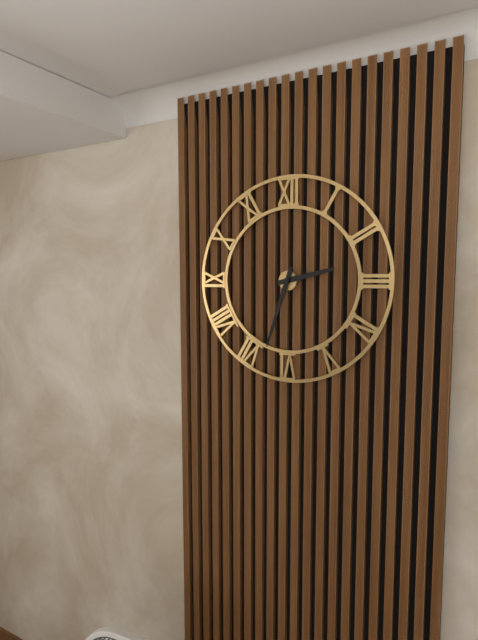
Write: 2:33
